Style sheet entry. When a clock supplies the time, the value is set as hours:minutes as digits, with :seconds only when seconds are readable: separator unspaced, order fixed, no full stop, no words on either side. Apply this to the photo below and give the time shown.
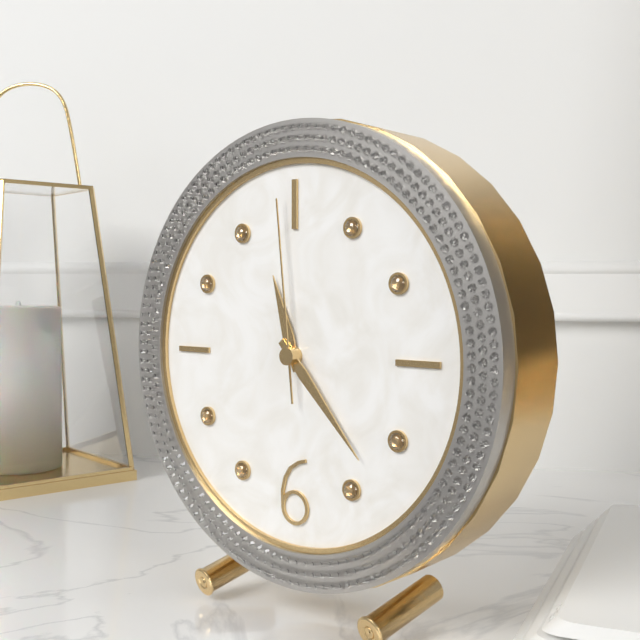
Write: 11:23:59
